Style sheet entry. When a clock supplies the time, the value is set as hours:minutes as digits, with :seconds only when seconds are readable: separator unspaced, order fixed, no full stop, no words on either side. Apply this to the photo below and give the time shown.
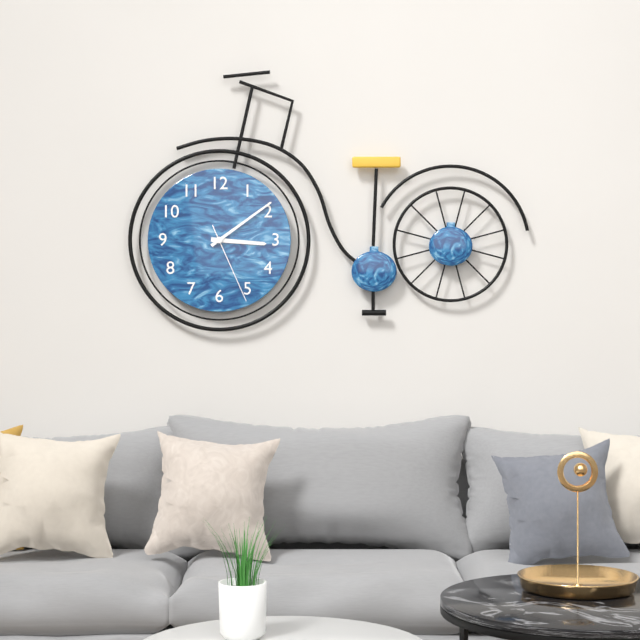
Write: 3:09:26
